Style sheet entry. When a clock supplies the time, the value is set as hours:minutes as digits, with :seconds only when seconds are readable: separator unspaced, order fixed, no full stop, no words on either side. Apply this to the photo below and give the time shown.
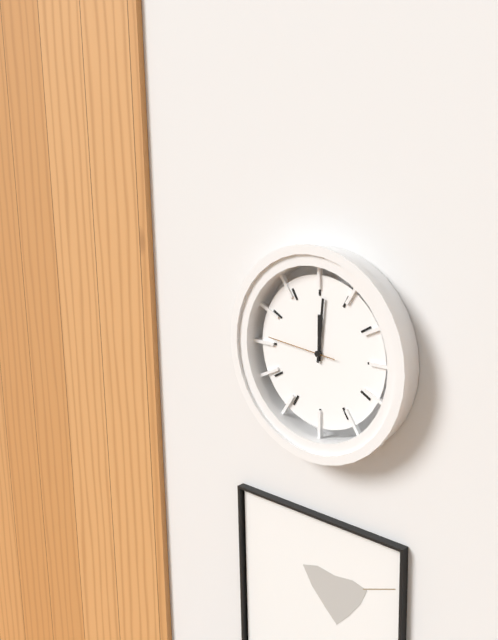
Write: 12:01:46
